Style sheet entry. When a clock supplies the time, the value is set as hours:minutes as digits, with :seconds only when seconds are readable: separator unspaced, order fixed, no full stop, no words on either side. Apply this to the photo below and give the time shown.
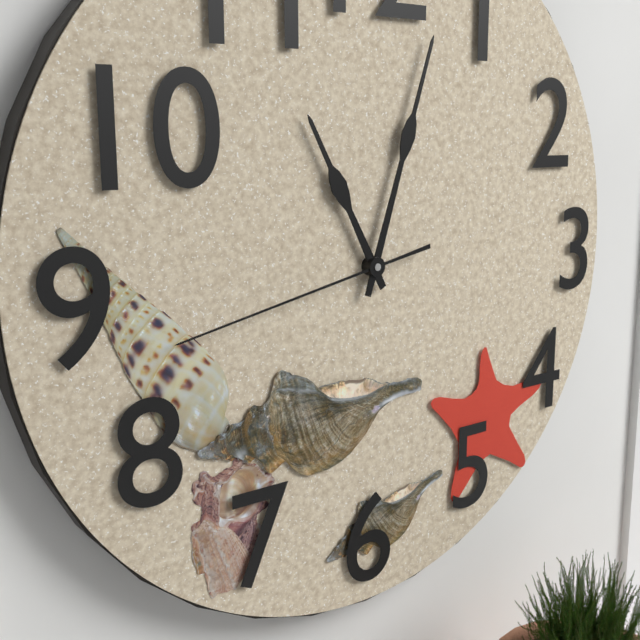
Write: 11:03:43
